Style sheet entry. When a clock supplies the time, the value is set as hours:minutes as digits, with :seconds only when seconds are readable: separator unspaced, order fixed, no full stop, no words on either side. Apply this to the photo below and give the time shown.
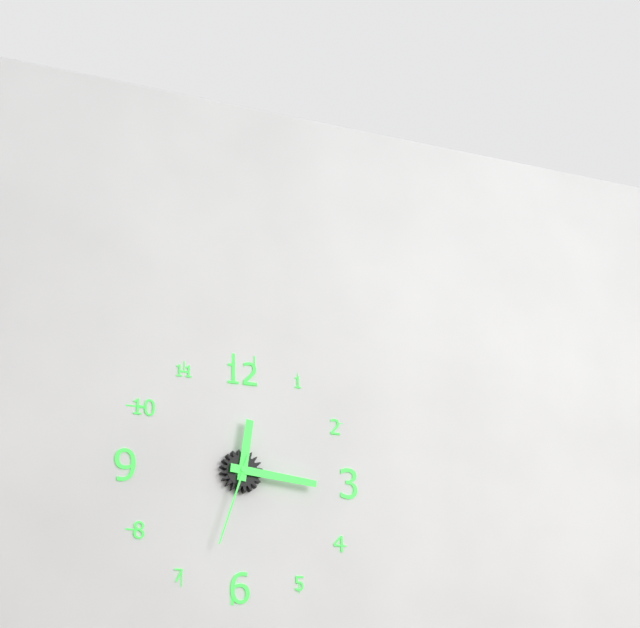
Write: 12:16:33
